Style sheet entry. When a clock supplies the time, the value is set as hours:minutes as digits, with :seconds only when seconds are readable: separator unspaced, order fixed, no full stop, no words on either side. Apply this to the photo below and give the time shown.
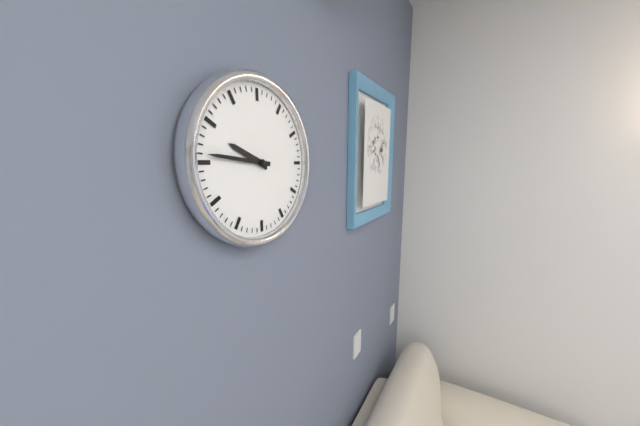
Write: 9:46
